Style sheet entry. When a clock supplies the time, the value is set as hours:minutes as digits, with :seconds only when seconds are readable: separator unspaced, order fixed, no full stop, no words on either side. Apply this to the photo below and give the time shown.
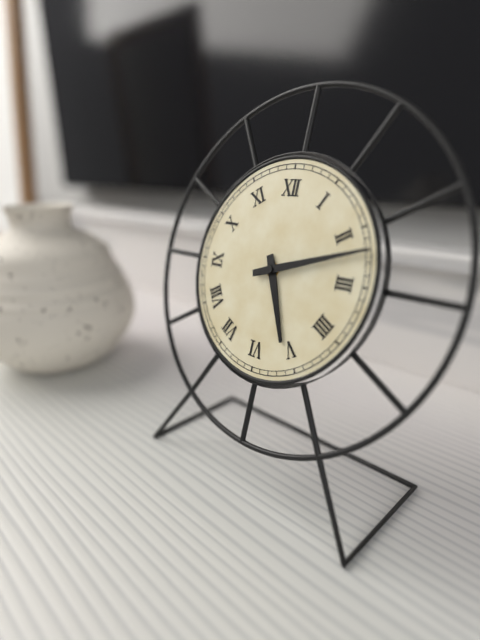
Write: 5:12
